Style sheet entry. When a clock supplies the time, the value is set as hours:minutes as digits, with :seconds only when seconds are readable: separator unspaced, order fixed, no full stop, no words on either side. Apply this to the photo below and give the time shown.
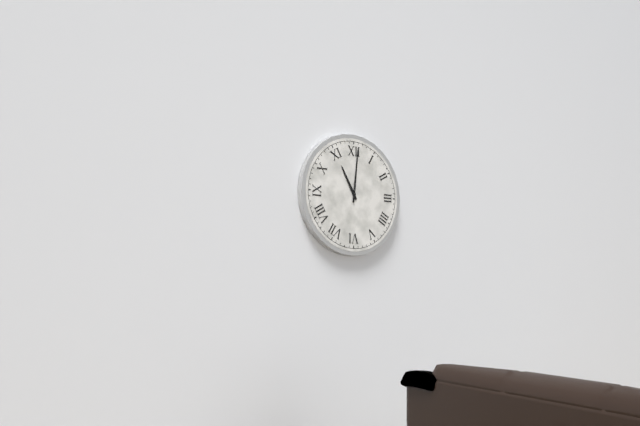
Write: 11:01
